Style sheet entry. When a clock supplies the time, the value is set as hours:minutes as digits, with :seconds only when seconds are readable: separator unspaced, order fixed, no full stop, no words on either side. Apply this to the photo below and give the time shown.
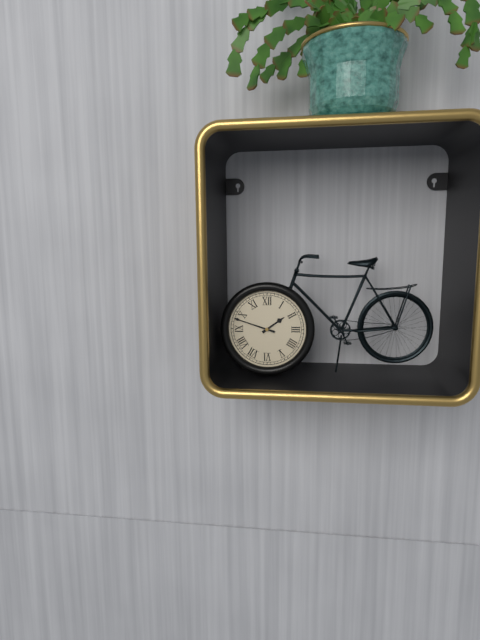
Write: 1:48
